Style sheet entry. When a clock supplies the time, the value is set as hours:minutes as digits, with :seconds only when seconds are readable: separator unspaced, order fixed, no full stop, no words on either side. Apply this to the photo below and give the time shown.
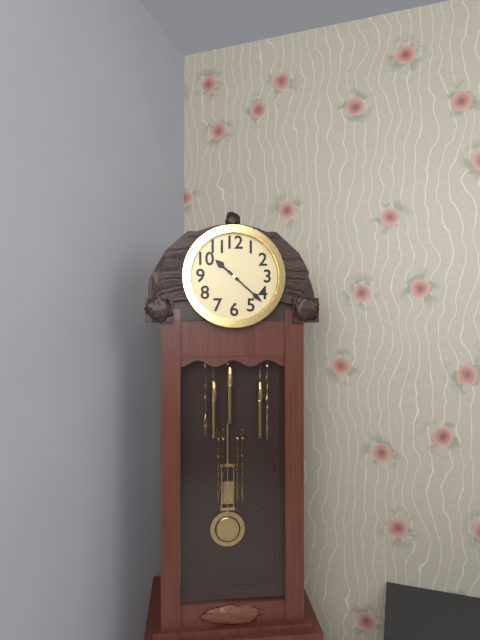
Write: 10:22
